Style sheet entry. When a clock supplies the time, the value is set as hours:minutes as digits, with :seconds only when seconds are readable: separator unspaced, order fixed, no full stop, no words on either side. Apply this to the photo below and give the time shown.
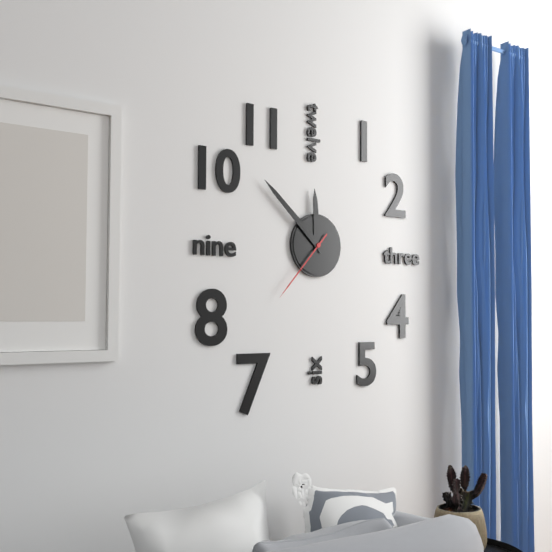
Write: 11:52:37
